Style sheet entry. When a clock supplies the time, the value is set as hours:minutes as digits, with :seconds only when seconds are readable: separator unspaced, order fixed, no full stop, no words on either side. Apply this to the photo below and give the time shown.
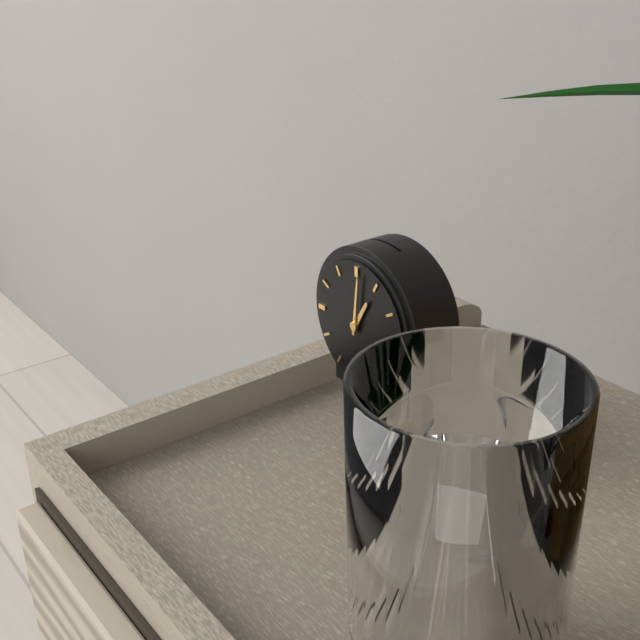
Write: 1:01
